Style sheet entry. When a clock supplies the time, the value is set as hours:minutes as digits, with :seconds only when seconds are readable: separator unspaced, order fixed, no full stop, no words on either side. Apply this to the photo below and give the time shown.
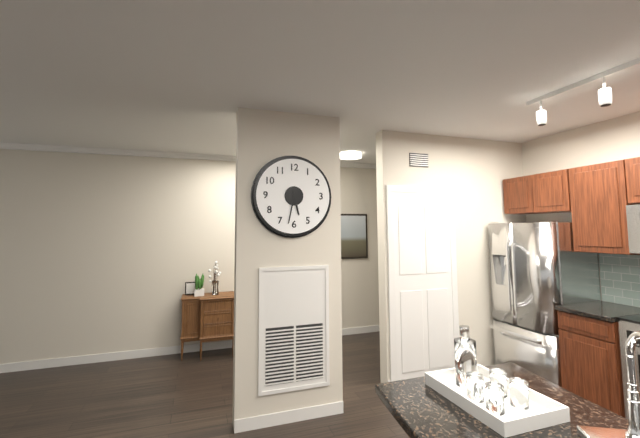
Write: 5:32
